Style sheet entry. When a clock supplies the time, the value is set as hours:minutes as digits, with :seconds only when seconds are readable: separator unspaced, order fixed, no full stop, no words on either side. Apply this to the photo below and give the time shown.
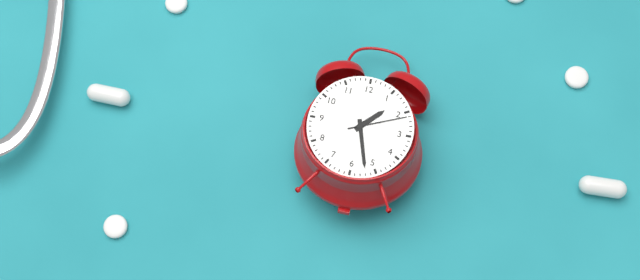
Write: 1:27:11
